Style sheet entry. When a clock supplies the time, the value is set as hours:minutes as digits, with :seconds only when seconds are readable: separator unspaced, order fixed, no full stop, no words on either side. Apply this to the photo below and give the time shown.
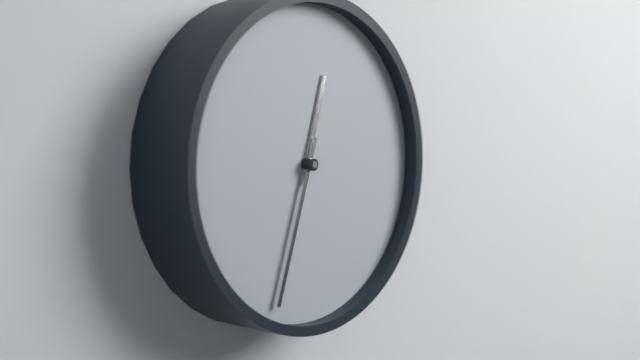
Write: 12:33
